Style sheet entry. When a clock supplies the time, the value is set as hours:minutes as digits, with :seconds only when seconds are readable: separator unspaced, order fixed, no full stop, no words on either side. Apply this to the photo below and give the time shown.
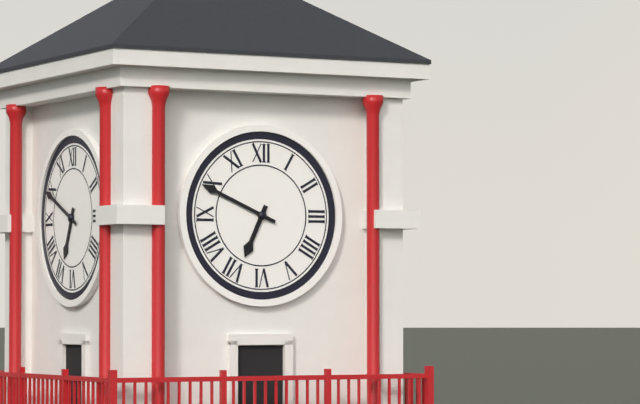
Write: 6:49
